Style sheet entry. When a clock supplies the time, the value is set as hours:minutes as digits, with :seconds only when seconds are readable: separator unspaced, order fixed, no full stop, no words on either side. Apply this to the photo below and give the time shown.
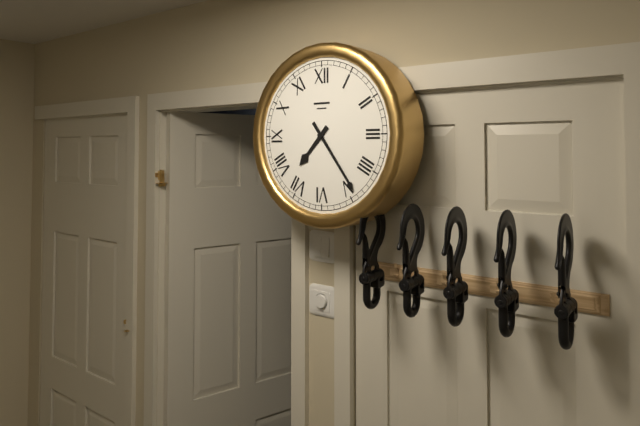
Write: 7:24
